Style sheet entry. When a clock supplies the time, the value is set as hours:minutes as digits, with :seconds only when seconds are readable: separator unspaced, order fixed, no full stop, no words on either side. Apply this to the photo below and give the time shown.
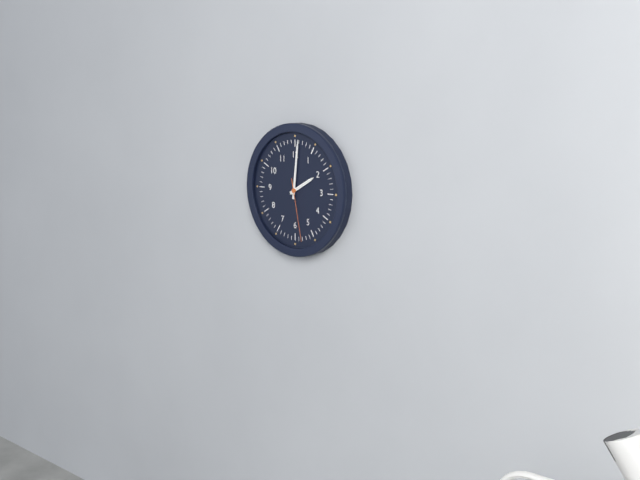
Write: 2:01:28
